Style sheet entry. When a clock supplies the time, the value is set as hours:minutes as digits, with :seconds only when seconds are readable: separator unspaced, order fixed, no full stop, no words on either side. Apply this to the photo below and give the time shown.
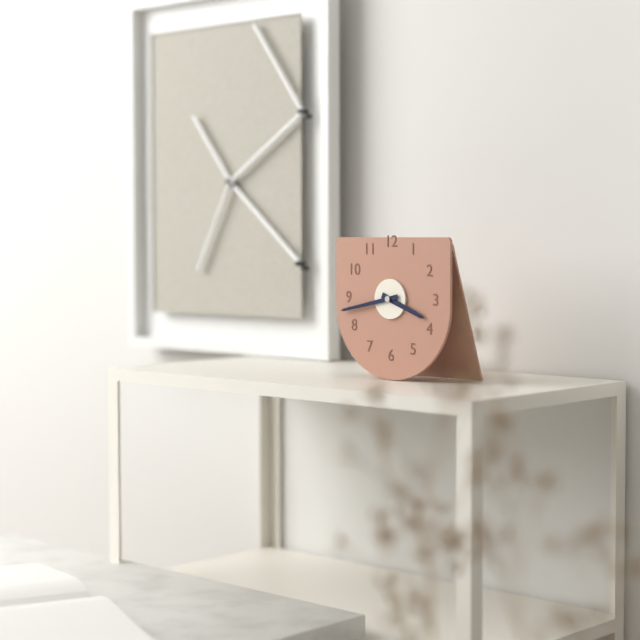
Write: 3:43
